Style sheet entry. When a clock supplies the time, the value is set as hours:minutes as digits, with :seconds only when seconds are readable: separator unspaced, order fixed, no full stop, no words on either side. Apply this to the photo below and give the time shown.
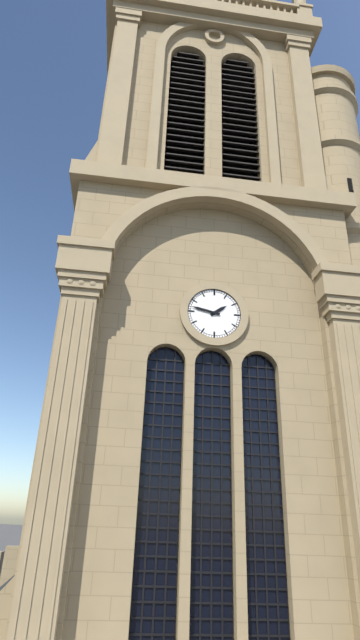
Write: 1:47
